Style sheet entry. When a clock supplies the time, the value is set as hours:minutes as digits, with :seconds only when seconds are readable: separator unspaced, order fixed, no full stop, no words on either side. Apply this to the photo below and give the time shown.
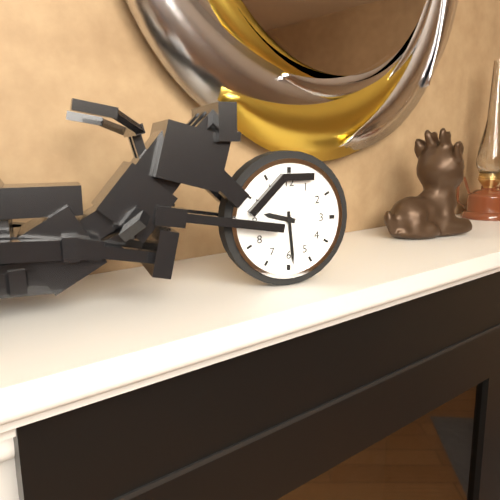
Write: 9:29
